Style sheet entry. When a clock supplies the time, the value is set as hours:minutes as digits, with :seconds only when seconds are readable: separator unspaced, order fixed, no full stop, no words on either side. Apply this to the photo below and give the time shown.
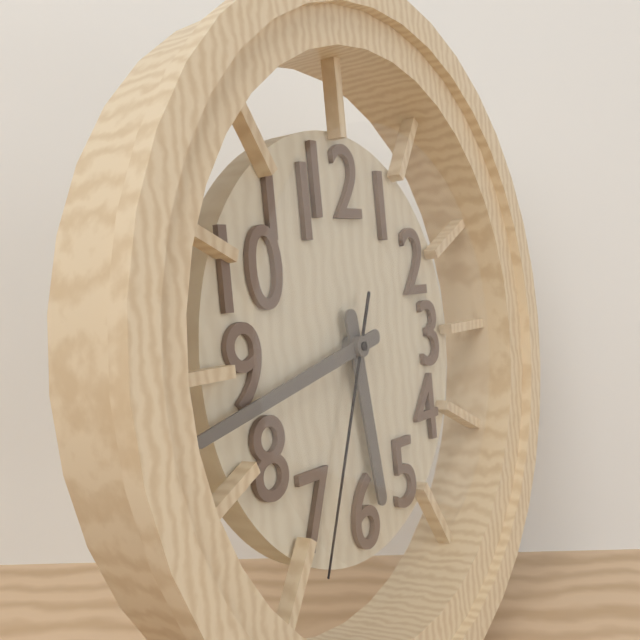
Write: 5:43:34
